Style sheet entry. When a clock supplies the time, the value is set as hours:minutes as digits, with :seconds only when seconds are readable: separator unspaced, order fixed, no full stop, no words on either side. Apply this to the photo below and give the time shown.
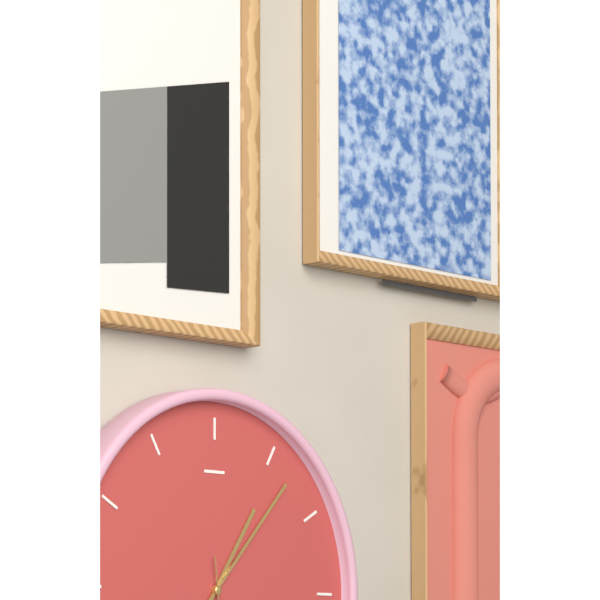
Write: 1:07
